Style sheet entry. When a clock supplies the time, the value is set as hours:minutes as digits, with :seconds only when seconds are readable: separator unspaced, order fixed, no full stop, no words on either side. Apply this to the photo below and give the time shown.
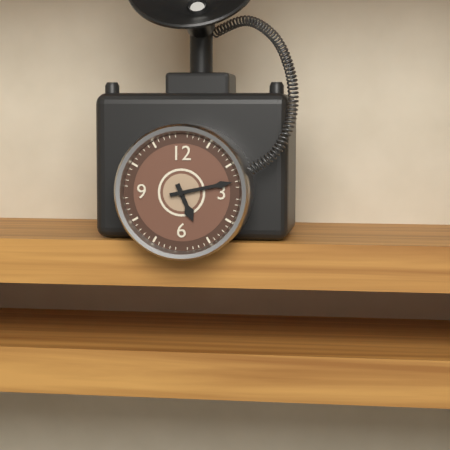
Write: 5:13
